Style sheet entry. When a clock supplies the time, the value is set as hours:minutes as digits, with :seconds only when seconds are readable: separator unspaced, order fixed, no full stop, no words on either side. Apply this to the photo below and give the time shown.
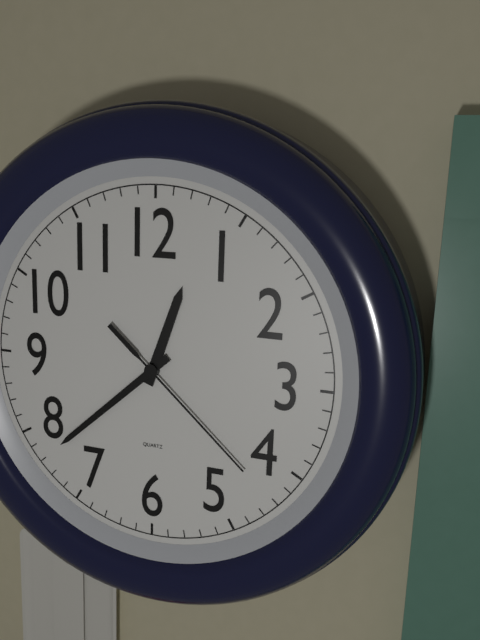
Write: 12:38:22
